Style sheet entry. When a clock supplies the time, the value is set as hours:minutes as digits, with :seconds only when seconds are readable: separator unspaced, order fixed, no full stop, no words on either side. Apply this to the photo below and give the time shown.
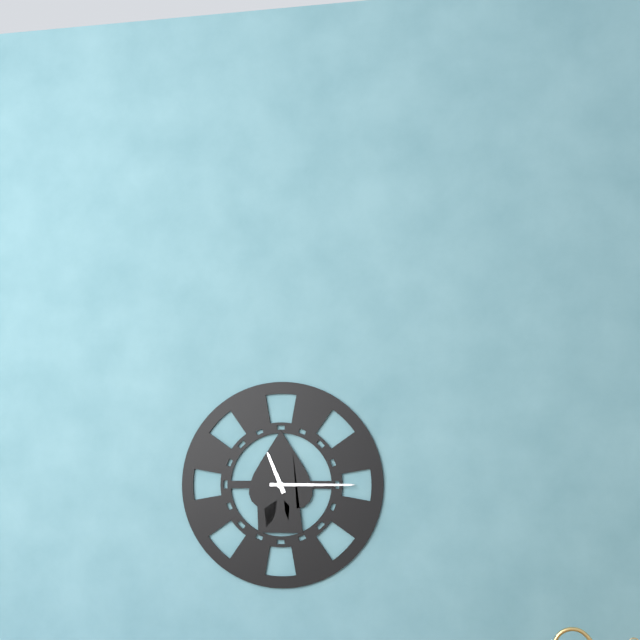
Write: 11:15
